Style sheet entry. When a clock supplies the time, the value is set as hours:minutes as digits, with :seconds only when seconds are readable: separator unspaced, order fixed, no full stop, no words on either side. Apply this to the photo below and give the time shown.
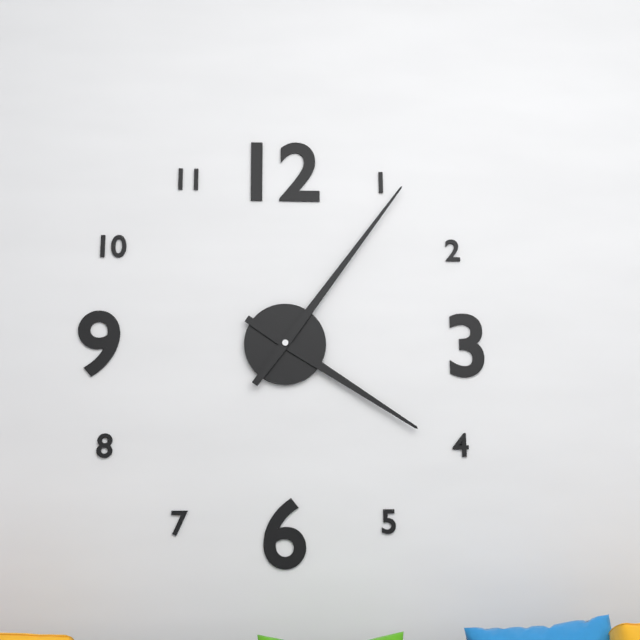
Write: 4:06
